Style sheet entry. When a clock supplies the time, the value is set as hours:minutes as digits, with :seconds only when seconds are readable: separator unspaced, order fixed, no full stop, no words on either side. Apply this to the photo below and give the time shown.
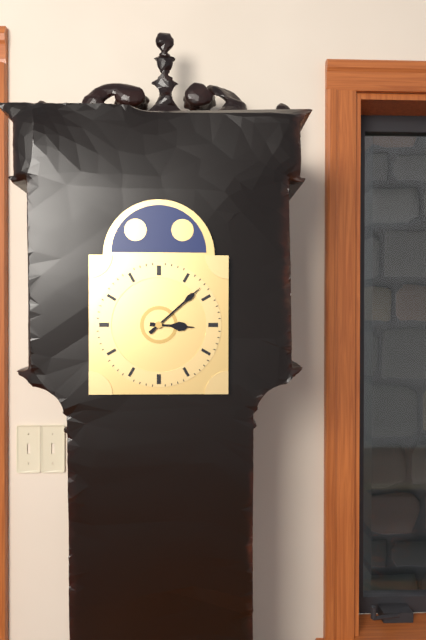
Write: 3:08
